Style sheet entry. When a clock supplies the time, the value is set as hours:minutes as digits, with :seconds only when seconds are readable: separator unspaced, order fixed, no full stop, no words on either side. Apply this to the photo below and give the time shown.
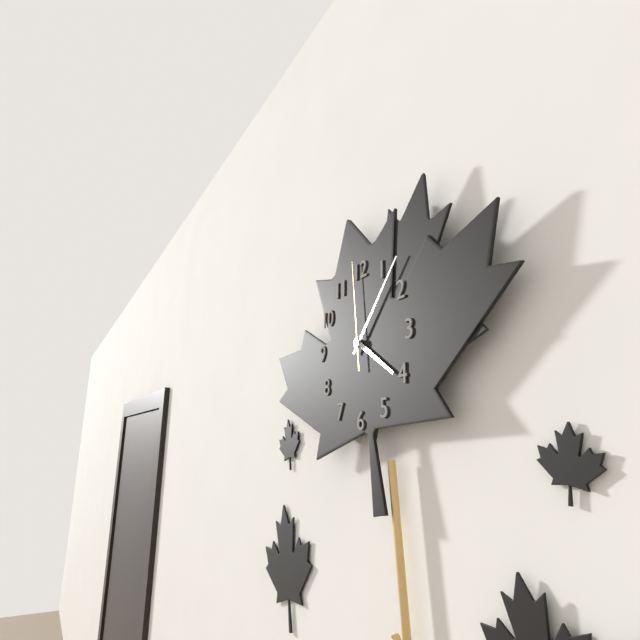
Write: 4:07:59
